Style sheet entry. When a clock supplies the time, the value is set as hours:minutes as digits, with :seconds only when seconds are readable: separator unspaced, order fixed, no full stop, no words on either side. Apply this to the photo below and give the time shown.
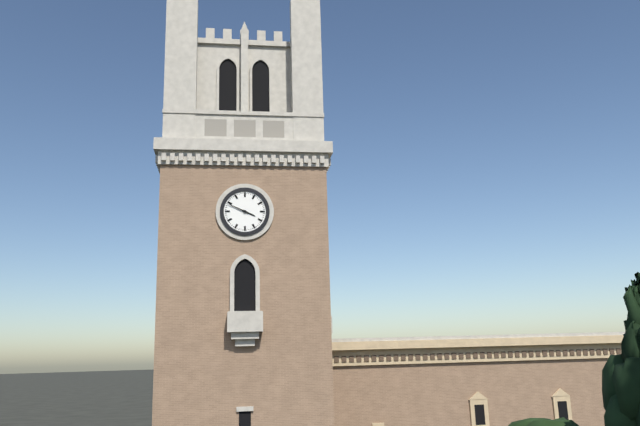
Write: 3:49
